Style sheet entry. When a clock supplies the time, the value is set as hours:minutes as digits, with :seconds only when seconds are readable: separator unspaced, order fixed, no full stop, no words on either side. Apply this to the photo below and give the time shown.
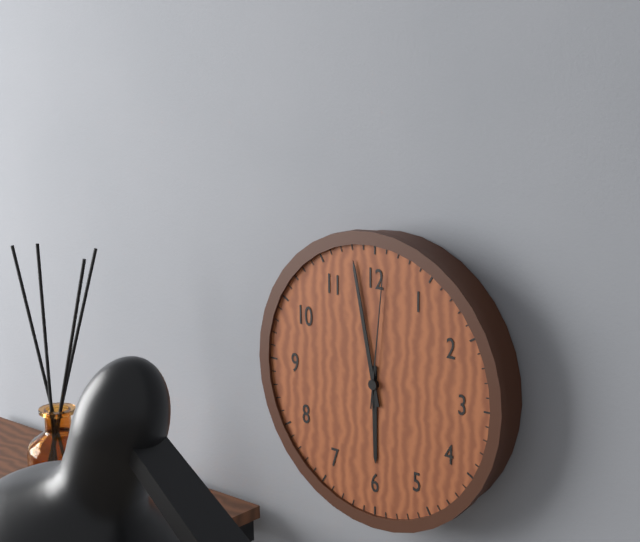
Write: 5:58:01
